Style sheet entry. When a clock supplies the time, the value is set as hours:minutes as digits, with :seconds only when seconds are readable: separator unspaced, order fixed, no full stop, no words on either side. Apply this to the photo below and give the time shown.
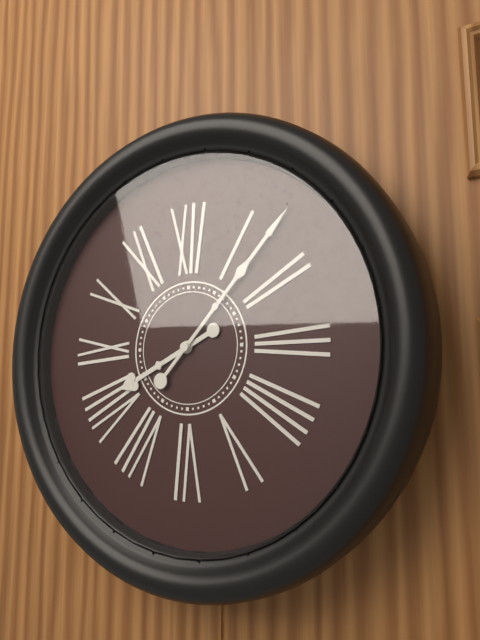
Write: 8:07
